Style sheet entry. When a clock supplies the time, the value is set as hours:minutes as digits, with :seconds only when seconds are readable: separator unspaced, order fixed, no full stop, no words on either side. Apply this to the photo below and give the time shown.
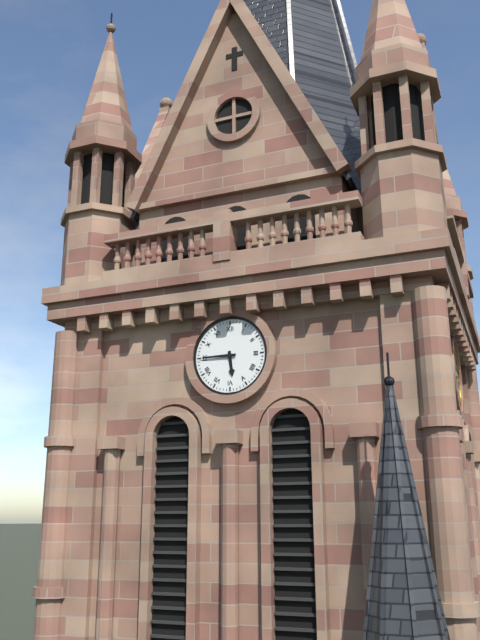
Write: 5:45
